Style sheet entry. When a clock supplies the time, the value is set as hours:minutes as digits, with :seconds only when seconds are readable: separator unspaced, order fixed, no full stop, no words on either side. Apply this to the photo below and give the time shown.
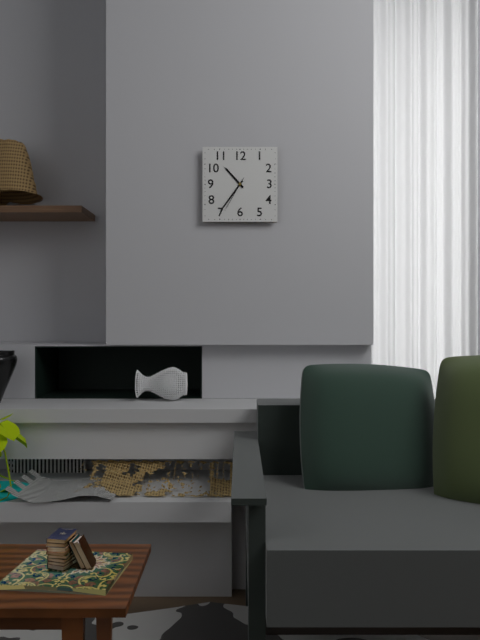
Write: 10:36
